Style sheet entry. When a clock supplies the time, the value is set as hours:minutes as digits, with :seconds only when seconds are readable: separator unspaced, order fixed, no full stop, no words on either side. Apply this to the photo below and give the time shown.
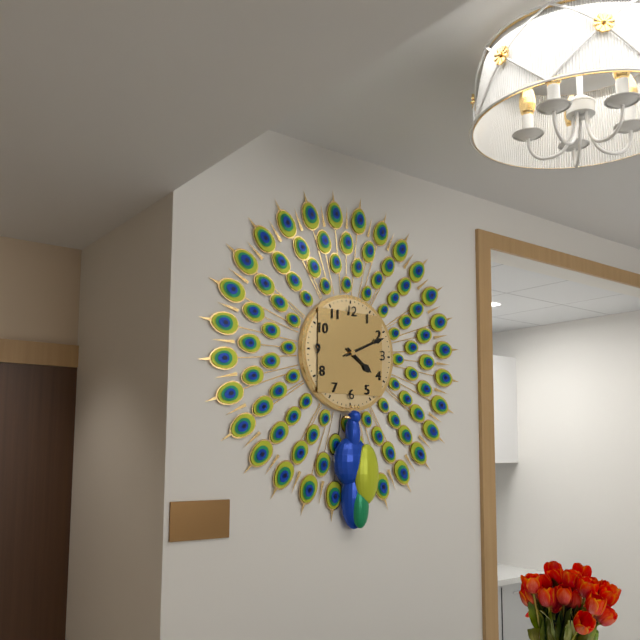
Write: 4:11
